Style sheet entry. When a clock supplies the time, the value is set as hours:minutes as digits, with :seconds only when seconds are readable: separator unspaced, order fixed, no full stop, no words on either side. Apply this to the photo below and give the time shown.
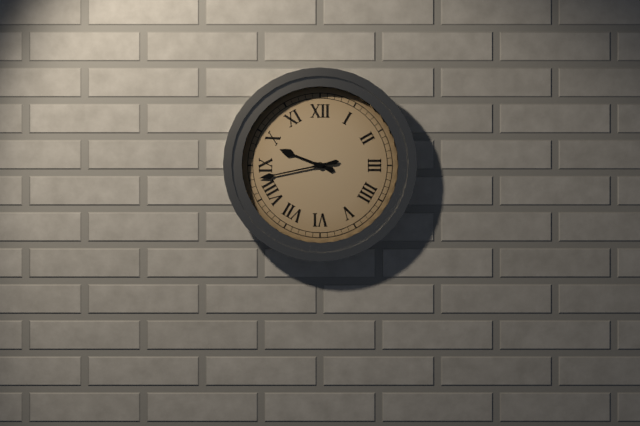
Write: 9:43
